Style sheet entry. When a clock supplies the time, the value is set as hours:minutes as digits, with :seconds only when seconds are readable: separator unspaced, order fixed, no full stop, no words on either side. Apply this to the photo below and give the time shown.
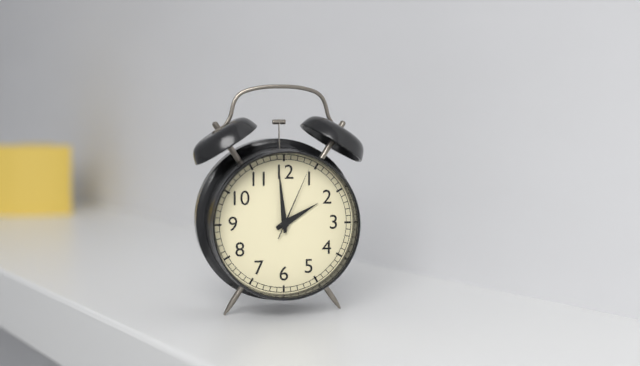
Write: 1:59:04
